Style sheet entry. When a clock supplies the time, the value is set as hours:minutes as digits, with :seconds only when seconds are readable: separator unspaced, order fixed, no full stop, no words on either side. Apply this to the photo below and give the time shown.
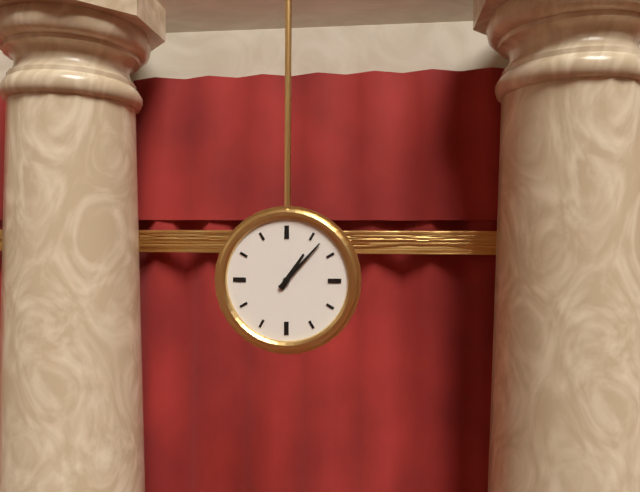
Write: 1:07
